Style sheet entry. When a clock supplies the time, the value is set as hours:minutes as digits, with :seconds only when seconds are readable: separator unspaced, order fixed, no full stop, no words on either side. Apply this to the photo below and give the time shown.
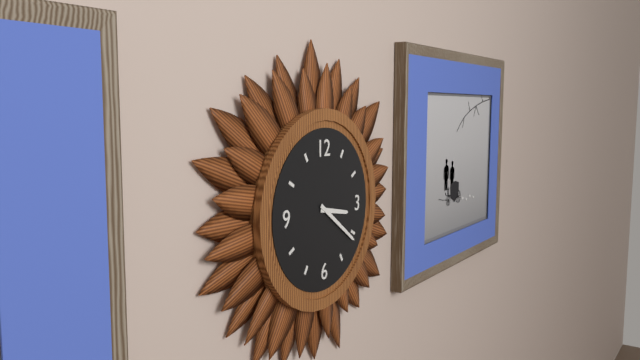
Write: 3:21
